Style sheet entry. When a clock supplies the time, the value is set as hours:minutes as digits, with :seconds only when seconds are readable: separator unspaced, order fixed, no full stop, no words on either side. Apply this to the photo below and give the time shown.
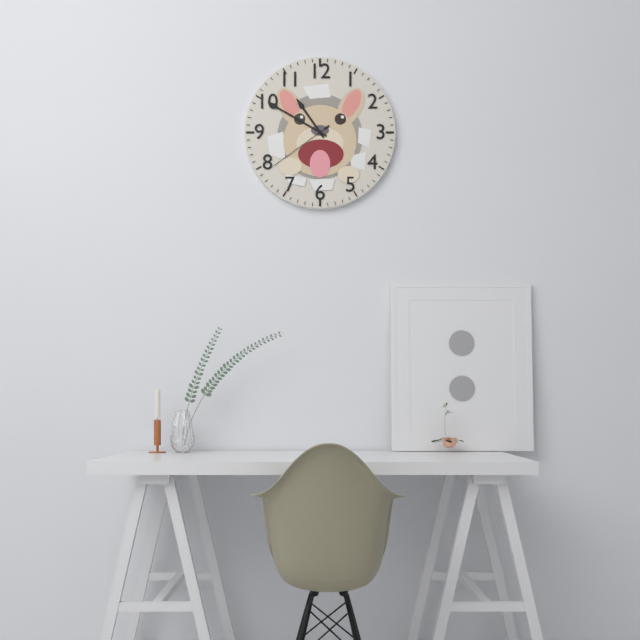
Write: 10:50:39
